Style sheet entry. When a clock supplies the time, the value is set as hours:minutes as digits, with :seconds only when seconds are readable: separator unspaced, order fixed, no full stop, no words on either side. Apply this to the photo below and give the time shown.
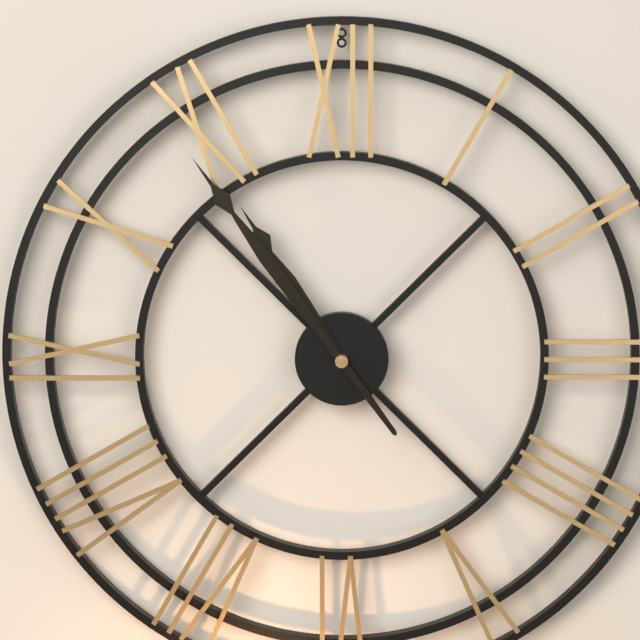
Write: 10:54
